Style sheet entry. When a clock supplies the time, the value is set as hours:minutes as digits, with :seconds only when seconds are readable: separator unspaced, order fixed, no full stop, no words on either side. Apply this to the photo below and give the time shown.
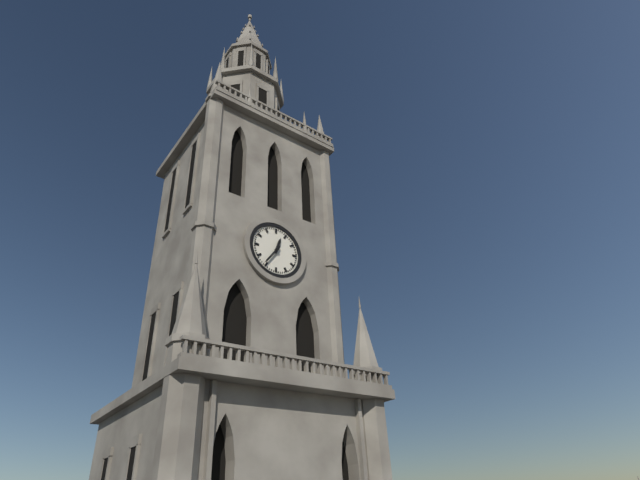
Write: 12:36
